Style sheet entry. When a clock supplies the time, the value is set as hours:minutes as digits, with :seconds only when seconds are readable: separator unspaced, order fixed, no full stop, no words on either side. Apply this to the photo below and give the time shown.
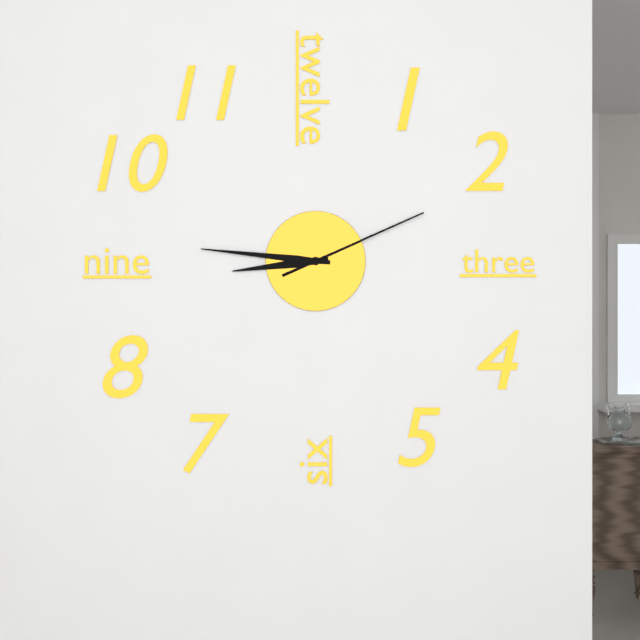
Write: 8:46:11
